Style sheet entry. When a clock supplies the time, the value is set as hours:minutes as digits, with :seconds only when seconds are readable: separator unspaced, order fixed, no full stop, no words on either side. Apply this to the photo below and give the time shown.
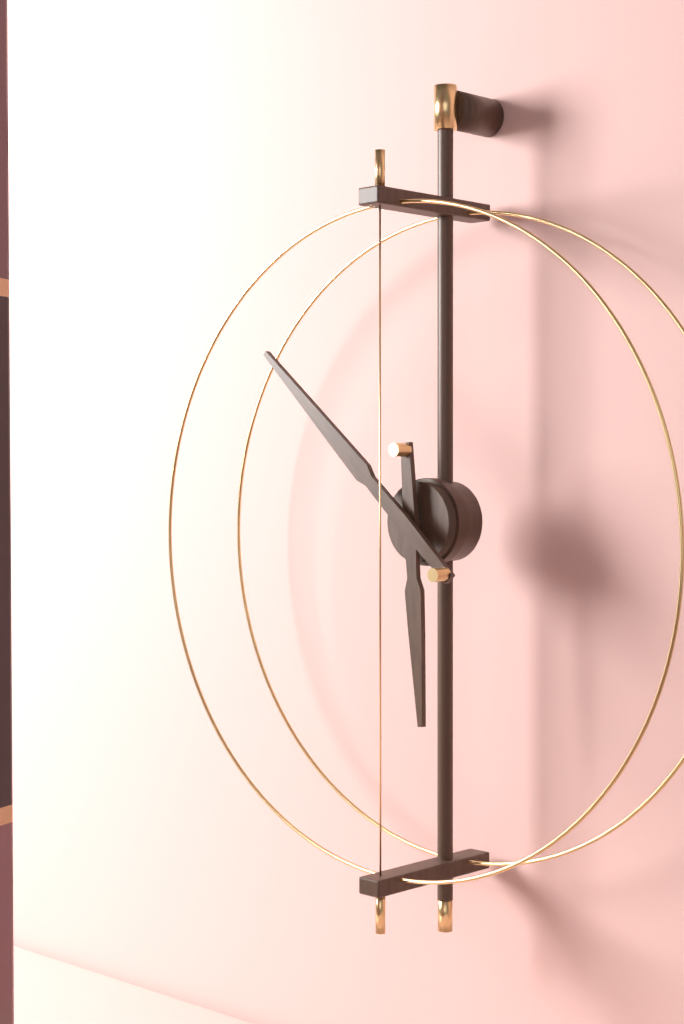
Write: 5:52
